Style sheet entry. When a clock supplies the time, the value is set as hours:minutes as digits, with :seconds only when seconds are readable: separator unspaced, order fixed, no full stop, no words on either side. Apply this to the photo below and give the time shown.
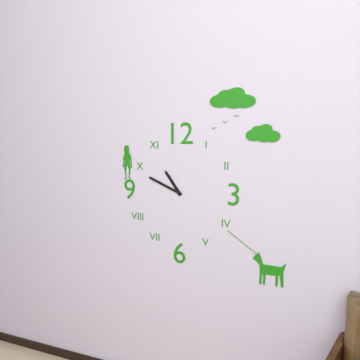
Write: 10:49
